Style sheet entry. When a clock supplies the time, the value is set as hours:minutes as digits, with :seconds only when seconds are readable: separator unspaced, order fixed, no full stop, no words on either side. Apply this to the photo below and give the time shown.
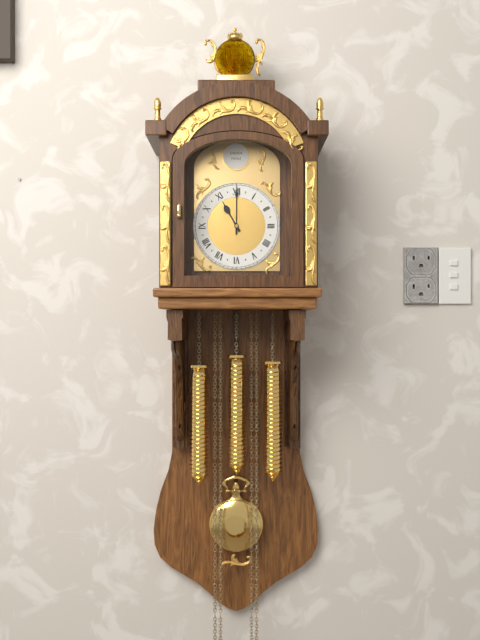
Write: 11:00
